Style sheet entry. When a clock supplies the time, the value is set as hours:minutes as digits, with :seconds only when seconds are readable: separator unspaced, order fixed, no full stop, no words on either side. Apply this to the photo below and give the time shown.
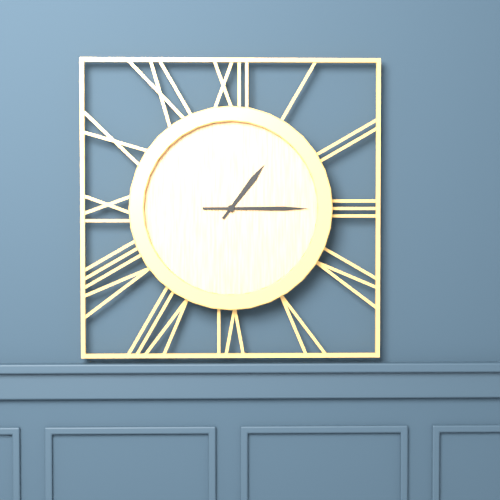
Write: 1:15
